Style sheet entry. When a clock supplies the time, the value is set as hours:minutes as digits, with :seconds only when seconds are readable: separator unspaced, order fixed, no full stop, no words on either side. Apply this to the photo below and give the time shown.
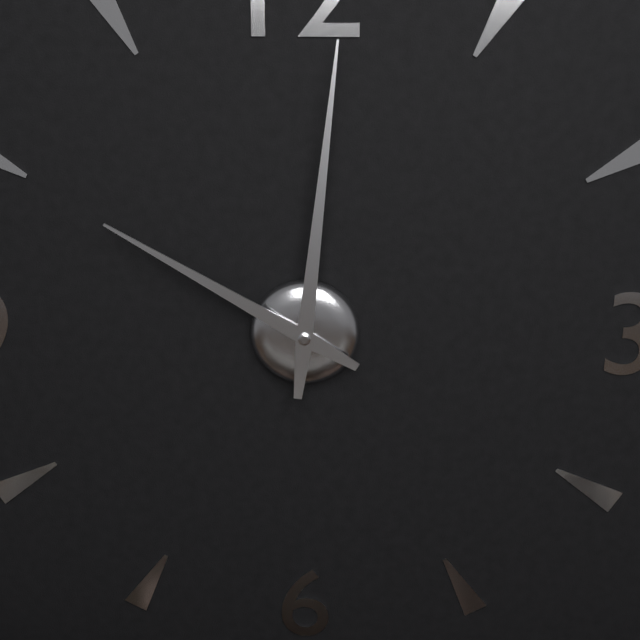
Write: 10:01
